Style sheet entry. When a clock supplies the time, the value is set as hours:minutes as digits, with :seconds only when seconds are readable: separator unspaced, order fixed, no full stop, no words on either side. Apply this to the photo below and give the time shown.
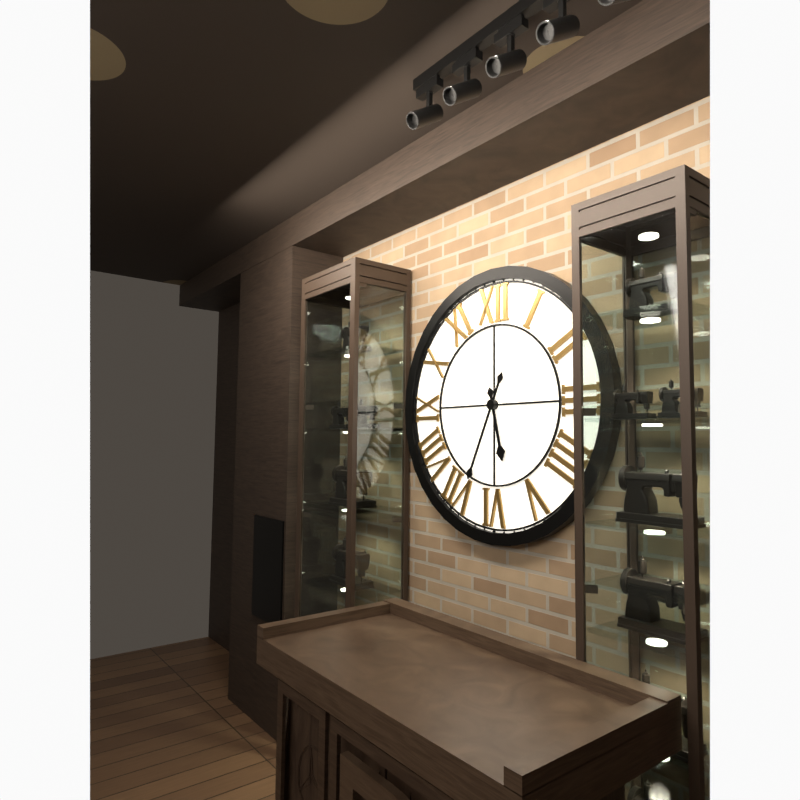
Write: 5:34
